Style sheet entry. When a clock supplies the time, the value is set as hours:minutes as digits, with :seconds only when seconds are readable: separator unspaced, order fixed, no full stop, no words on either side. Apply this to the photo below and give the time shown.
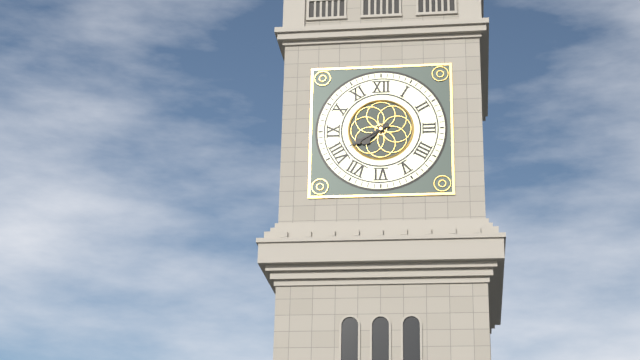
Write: 7:40
